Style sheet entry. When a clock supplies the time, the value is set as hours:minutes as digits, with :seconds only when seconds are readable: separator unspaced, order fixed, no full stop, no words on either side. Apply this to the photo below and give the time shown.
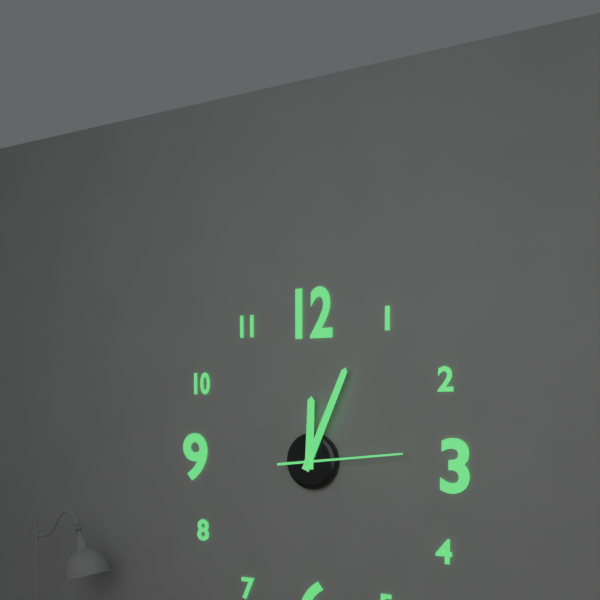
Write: 12:04:14
